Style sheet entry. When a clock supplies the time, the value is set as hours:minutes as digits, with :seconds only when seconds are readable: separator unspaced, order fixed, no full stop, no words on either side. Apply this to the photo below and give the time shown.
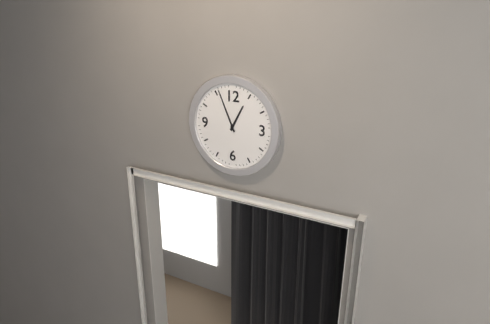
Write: 12:56
